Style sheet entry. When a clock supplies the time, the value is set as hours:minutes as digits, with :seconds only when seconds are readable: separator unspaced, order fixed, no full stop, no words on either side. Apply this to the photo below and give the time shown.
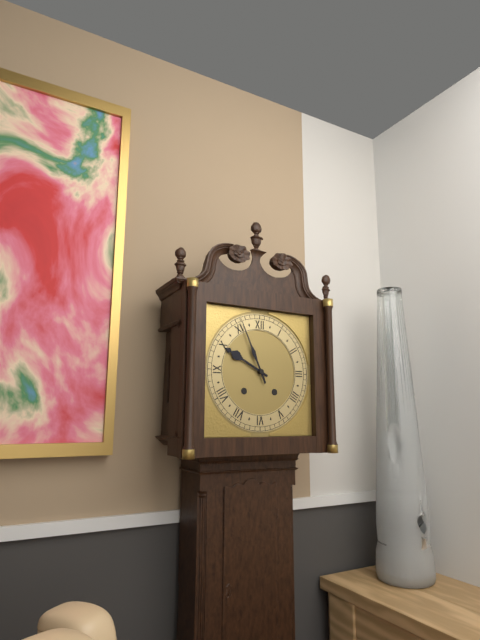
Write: 9:56
